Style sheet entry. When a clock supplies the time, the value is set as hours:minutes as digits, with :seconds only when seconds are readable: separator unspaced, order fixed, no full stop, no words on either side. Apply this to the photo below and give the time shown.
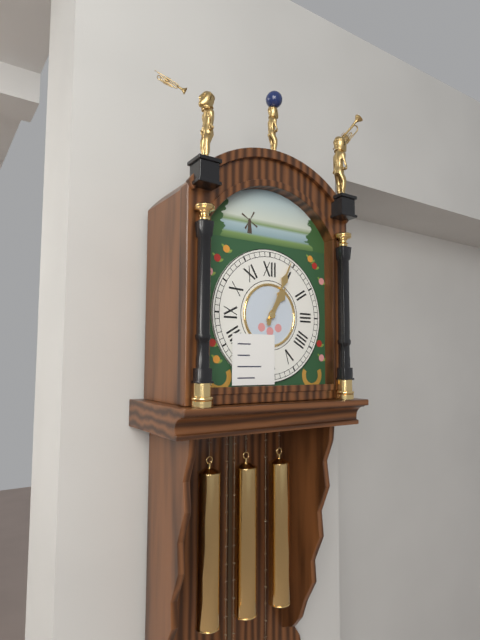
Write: 1:04
